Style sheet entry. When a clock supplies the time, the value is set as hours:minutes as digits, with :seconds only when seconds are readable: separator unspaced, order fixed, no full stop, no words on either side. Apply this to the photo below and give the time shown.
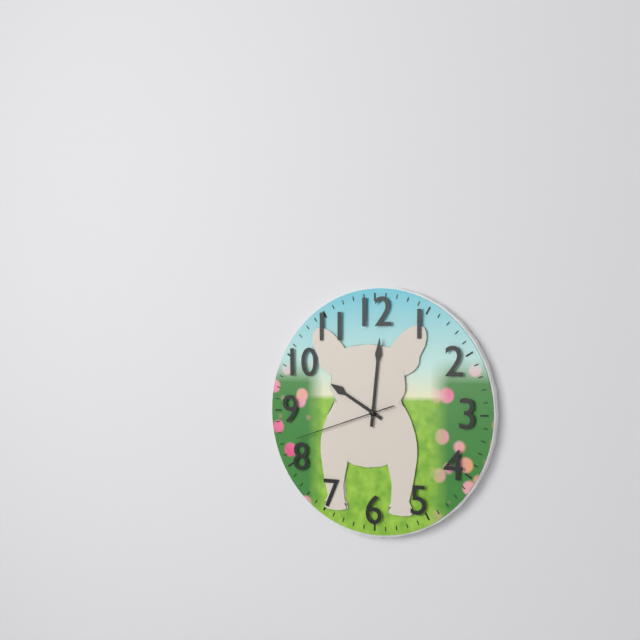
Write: 10:01:42
